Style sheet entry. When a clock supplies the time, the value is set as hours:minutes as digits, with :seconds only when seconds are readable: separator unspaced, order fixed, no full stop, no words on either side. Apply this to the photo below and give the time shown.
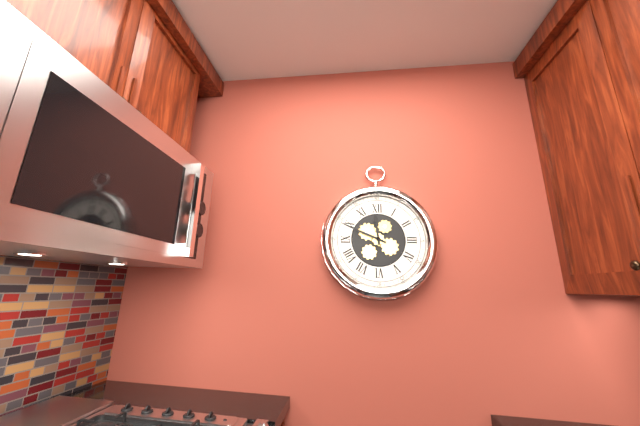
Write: 11:49
